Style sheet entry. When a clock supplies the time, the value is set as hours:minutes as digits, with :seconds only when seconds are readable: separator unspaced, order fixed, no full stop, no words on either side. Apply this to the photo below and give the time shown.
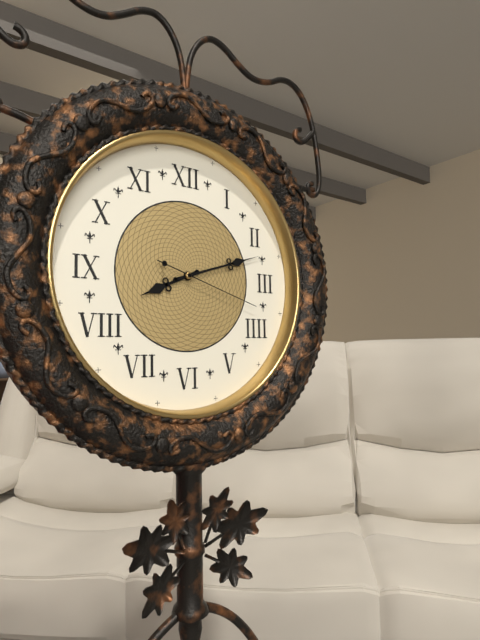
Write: 8:12:18
